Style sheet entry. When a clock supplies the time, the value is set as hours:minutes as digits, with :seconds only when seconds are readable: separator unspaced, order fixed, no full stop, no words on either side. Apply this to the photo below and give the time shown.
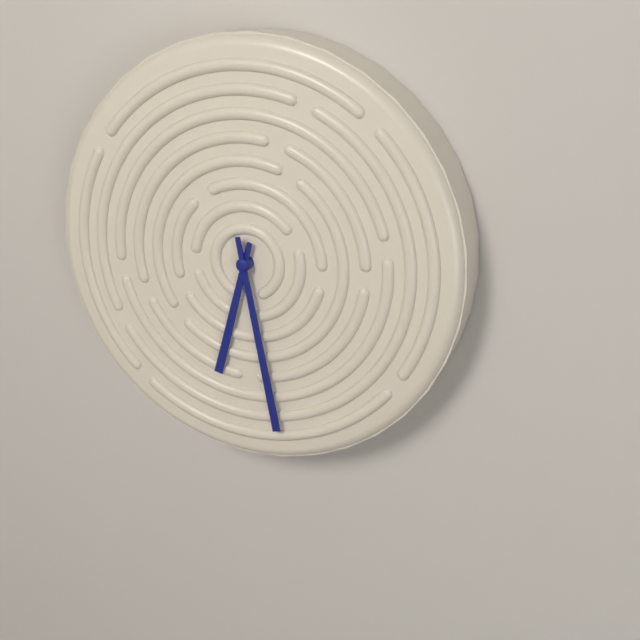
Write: 6:28
